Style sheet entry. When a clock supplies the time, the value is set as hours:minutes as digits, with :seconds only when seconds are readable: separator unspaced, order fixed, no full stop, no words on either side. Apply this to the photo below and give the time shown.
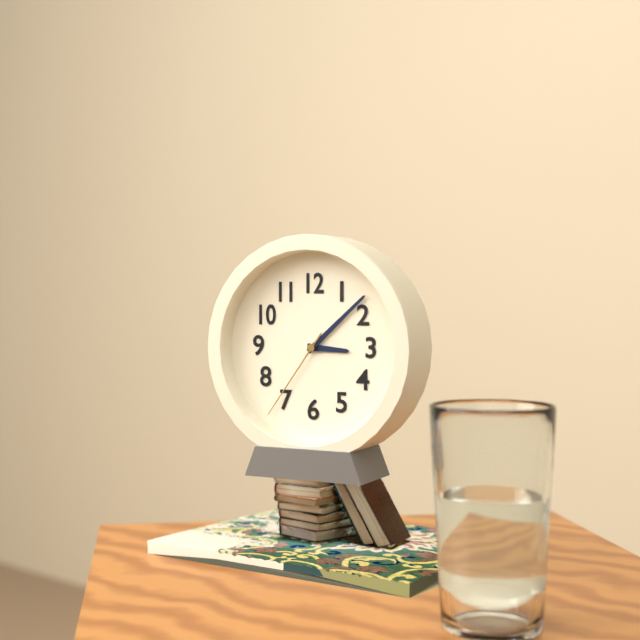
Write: 3:08:36
